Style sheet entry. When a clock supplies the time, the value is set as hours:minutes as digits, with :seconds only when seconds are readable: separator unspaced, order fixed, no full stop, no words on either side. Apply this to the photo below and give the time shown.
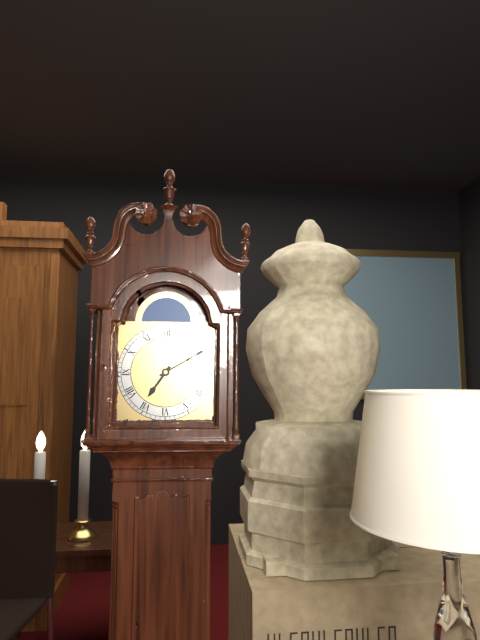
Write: 7:10
